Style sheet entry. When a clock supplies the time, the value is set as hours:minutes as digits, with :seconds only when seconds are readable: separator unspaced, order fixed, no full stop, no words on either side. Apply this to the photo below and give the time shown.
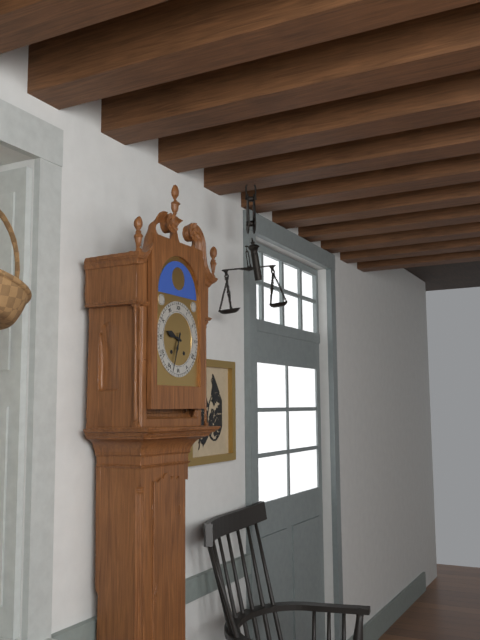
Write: 9:33
